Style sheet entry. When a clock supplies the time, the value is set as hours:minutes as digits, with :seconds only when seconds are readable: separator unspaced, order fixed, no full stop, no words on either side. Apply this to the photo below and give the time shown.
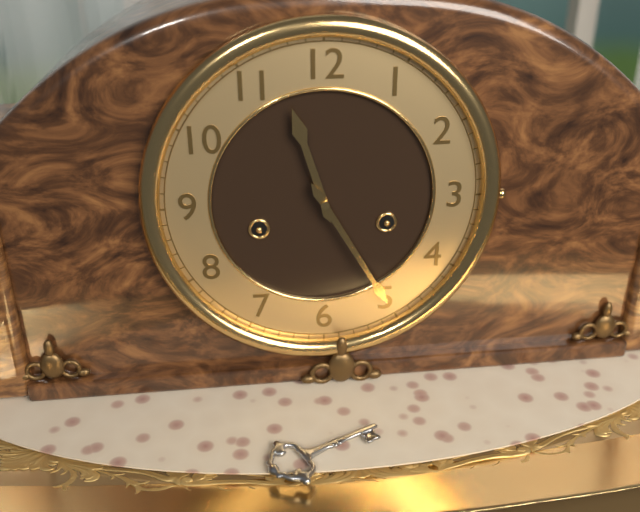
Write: 11:25
